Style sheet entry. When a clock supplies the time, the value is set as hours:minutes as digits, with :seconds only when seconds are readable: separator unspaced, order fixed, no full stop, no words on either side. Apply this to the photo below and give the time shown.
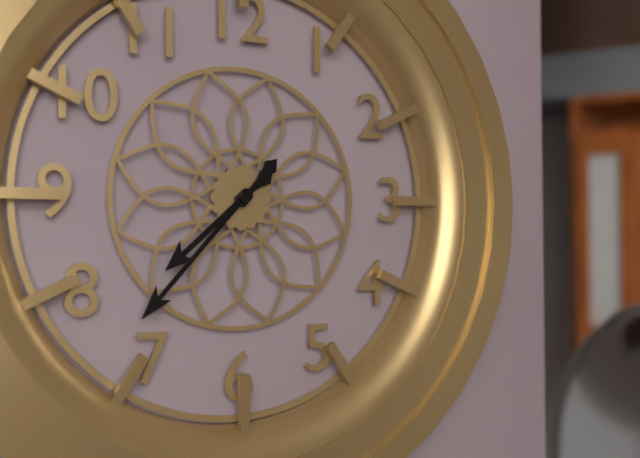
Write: 7:37
